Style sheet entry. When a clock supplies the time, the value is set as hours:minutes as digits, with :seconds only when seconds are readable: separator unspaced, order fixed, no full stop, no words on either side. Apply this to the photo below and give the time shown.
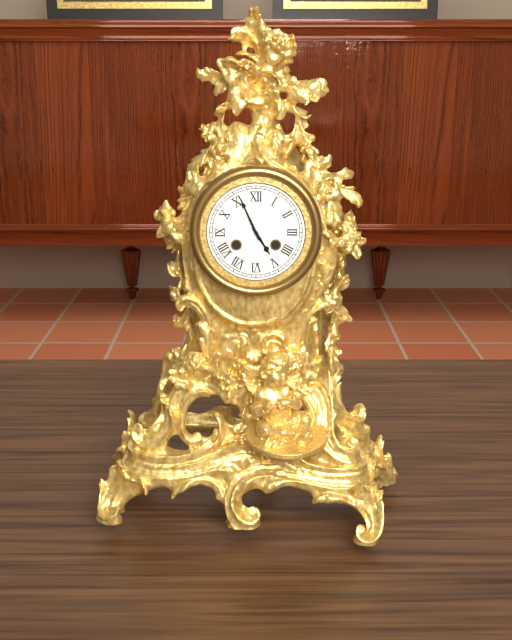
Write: 4:56
